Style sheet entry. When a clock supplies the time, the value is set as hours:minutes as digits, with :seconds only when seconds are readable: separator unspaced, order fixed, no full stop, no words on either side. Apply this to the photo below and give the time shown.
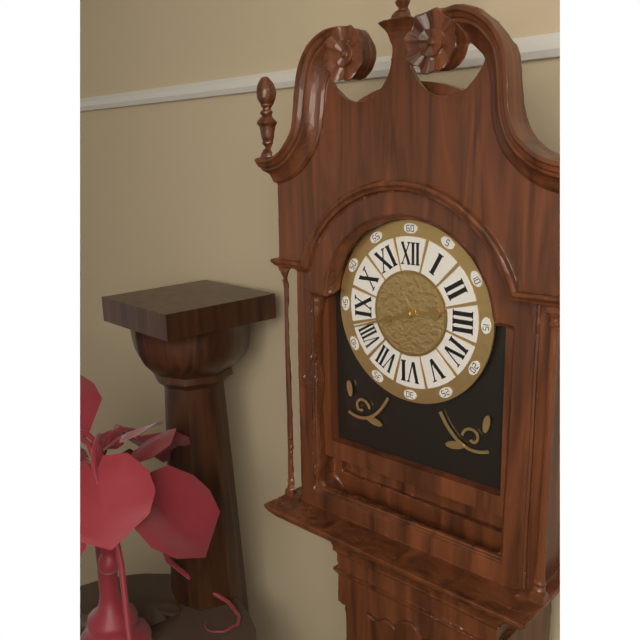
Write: 2:42
